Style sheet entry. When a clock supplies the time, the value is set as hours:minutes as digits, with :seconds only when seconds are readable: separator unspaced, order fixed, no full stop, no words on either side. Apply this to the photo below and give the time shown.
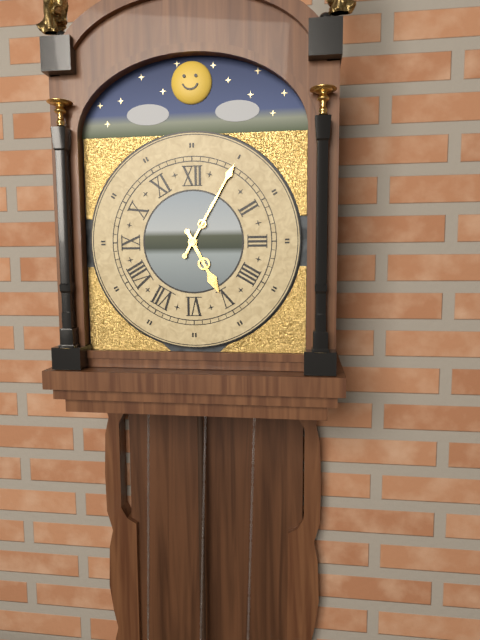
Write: 5:05
